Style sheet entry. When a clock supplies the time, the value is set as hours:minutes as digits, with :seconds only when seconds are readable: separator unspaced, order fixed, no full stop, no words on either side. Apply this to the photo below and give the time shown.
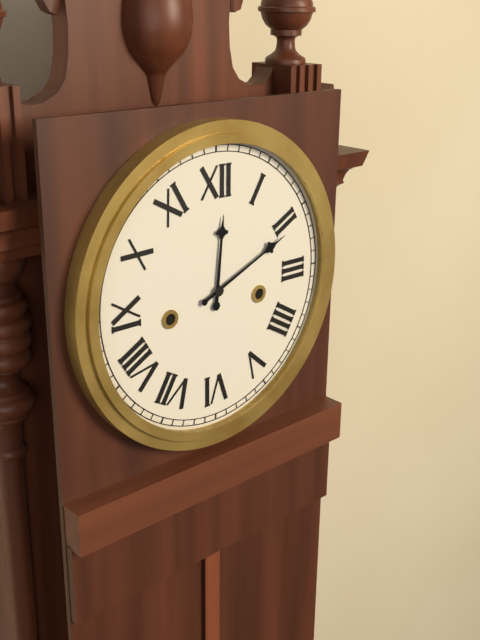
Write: 12:11
